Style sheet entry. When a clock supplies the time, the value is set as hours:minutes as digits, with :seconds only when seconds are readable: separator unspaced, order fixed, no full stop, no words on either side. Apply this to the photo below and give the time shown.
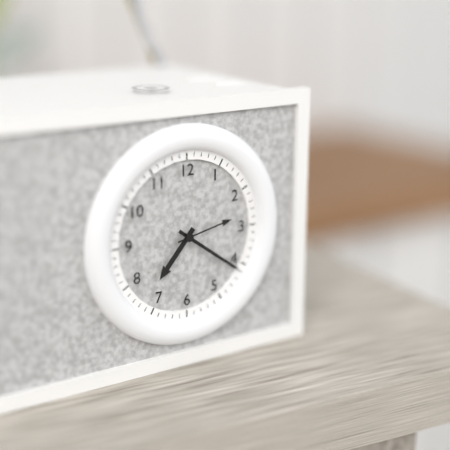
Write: 7:21:13
